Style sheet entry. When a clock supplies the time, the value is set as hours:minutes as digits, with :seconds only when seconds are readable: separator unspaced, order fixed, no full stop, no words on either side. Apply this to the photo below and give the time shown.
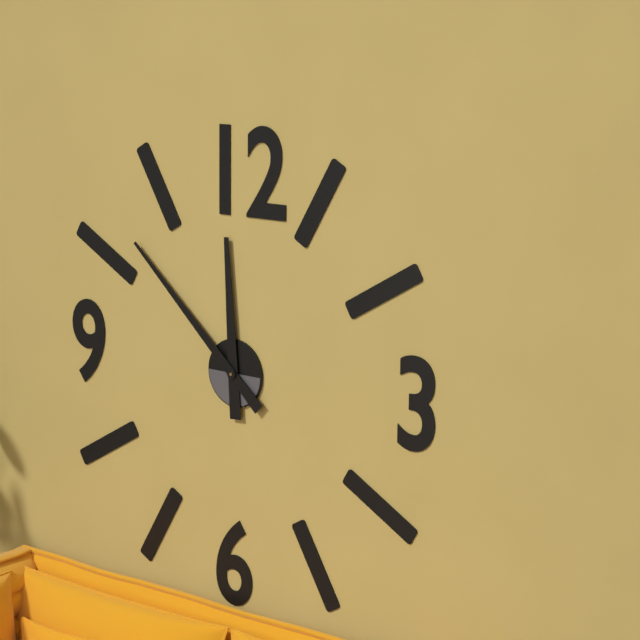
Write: 11:52
